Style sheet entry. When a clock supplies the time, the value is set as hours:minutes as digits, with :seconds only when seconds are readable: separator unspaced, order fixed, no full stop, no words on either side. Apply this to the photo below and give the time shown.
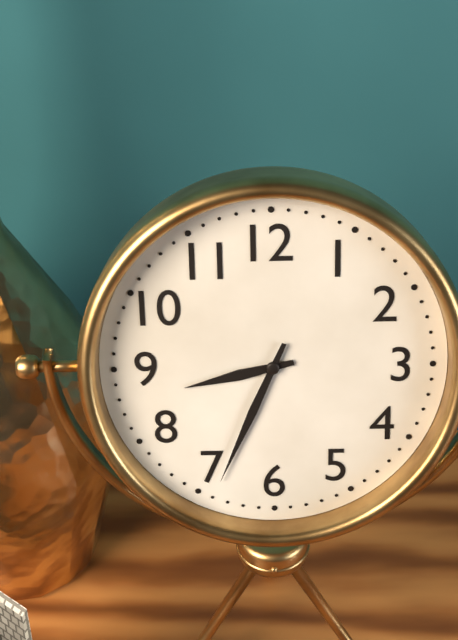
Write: 8:34
